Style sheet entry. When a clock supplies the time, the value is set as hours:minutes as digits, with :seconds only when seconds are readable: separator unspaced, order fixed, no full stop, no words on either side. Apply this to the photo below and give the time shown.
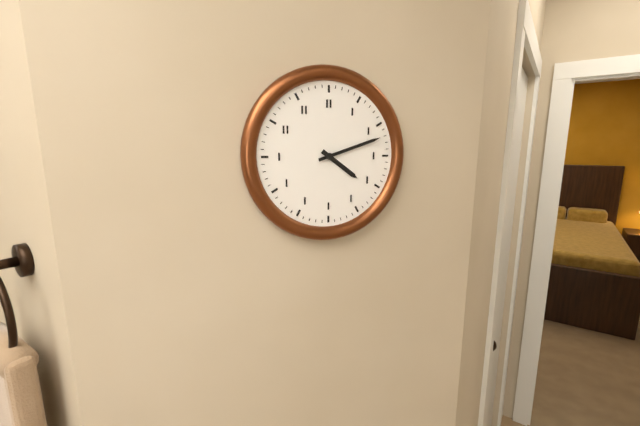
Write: 4:12
